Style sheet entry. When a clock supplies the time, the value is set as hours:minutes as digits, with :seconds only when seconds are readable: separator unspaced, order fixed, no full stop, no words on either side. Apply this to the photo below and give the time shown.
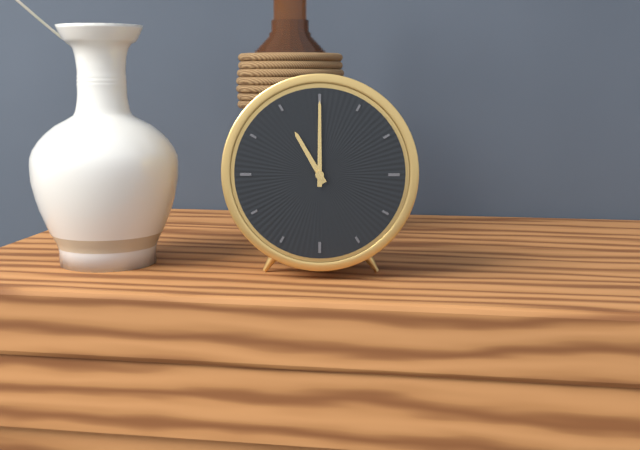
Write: 11:00
